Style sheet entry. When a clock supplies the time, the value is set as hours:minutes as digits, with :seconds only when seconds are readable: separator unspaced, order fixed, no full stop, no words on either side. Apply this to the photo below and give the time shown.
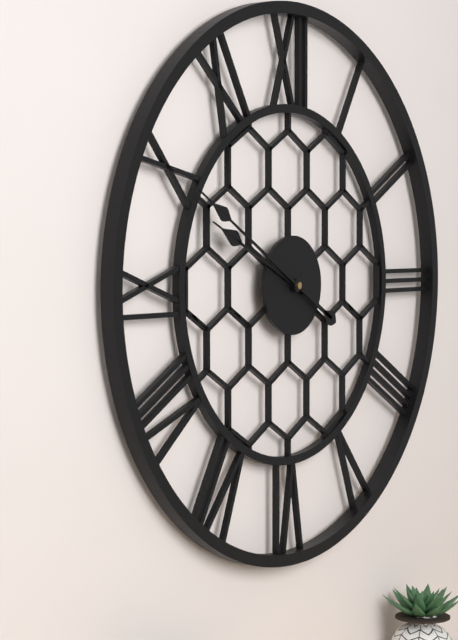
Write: 9:50
